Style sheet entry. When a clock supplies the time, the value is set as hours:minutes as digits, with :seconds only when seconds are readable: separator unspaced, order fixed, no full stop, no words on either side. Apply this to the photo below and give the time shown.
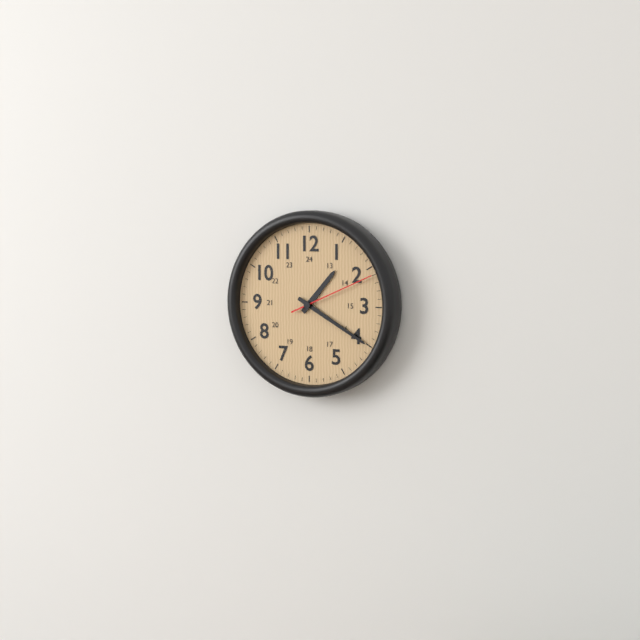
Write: 1:20:11
